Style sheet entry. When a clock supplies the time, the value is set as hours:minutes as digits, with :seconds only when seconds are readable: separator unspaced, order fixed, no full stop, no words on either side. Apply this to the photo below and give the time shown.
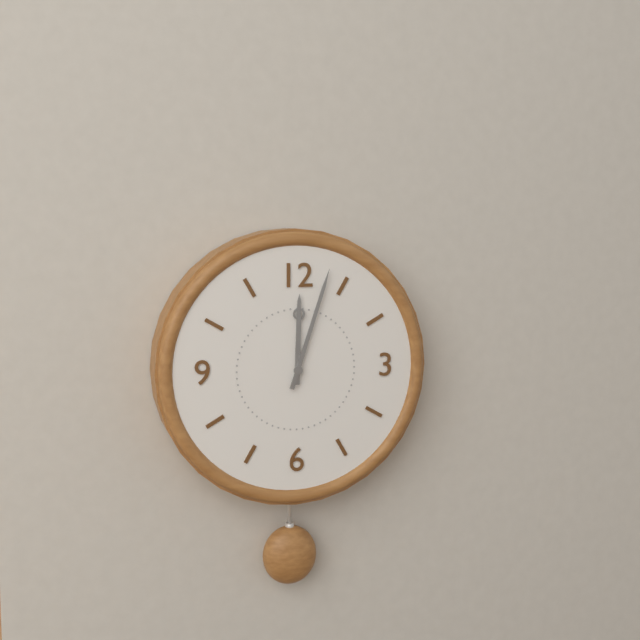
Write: 12:03
